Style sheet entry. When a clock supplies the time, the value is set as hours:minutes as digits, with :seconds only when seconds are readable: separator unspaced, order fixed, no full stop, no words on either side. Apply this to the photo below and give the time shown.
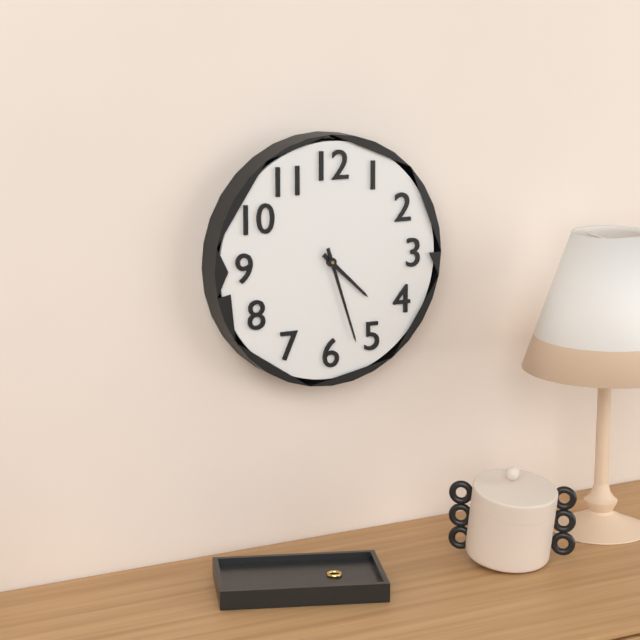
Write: 4:27
